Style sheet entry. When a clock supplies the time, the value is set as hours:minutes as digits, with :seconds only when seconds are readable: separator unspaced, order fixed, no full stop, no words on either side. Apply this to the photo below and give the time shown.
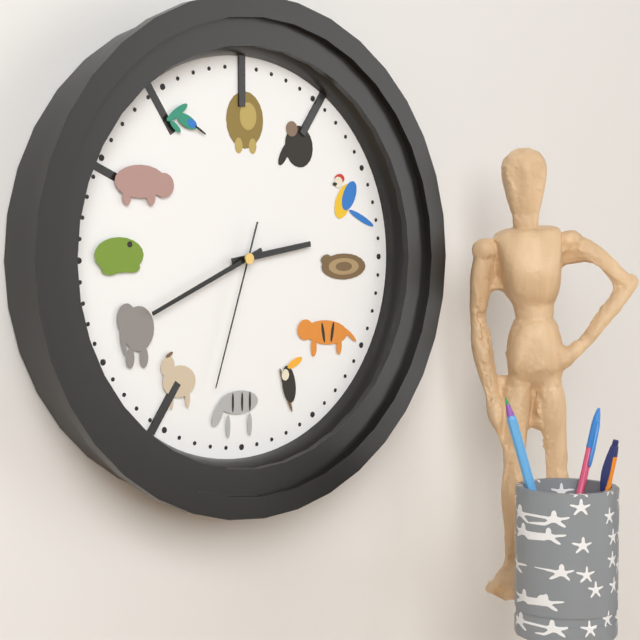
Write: 2:41:33
